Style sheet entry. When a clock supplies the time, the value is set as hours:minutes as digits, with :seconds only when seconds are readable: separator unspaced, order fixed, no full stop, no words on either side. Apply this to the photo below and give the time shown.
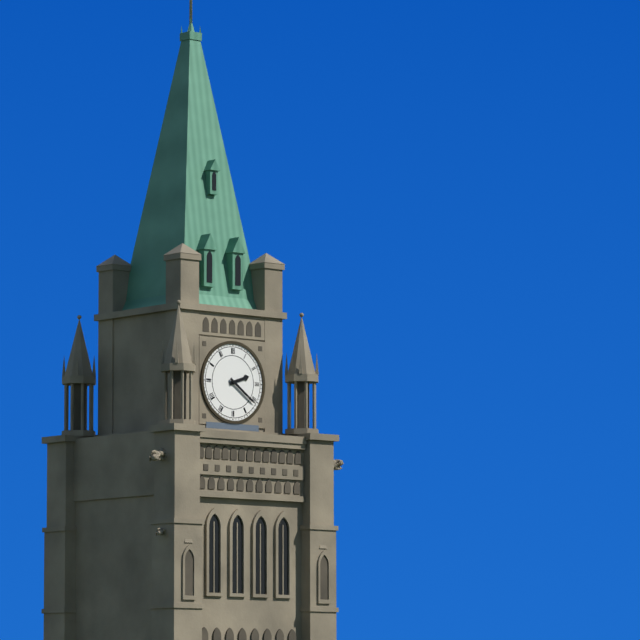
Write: 2:21
